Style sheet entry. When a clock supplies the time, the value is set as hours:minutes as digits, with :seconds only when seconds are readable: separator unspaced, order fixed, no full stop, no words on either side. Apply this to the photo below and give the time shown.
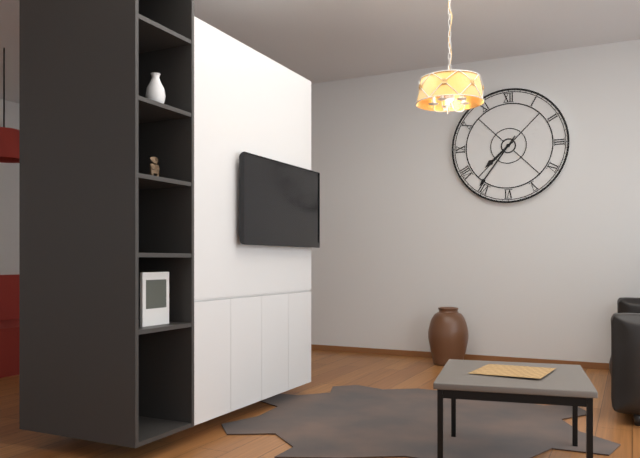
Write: 7:36
